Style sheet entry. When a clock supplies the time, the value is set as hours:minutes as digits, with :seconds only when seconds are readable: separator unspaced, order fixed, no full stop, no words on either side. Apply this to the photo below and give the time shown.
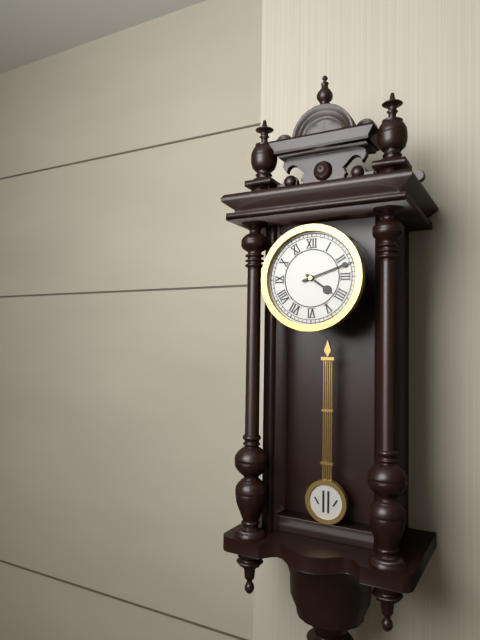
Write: 4:12
